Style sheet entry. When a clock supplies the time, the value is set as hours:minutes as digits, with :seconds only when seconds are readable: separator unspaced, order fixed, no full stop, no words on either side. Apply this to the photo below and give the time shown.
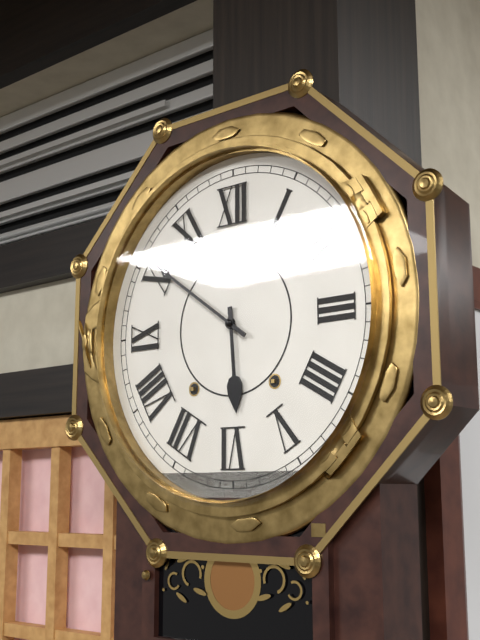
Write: 5:51
